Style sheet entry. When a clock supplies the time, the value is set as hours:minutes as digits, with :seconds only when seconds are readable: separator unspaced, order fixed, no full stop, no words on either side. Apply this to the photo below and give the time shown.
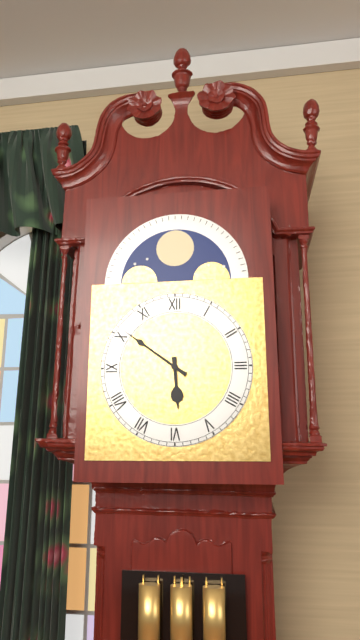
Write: 5:51
